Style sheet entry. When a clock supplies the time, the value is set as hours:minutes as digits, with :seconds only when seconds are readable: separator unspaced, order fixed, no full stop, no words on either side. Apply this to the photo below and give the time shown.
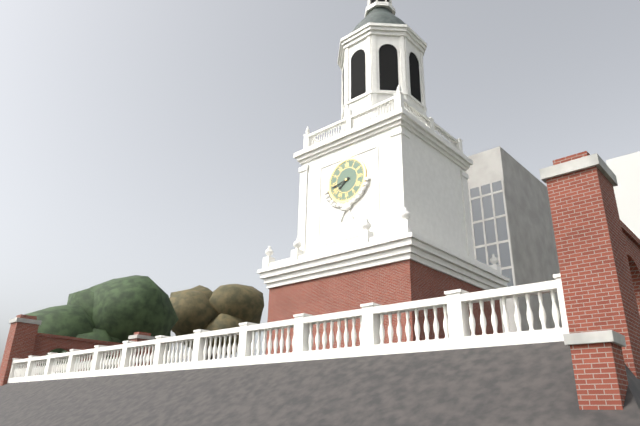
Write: 7:43
